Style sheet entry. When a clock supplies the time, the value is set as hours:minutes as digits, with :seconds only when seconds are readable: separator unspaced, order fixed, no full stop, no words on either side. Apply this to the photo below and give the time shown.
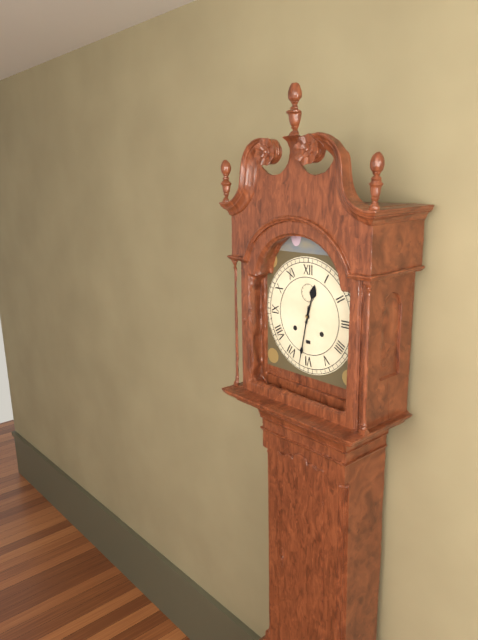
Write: 12:32
